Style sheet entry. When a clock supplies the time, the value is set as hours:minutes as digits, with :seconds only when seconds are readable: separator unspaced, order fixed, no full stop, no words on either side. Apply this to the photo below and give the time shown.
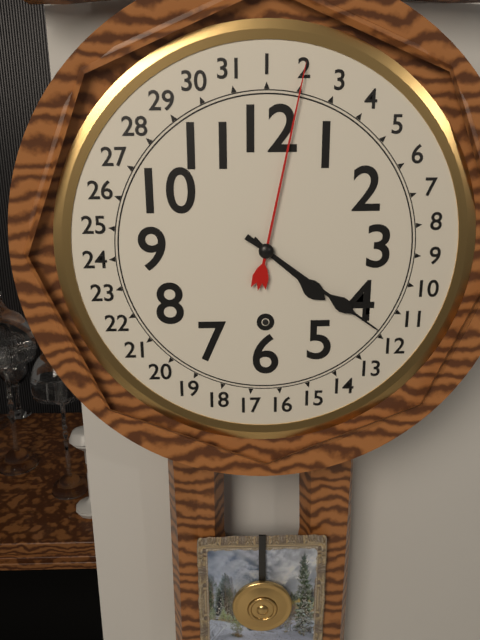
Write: 4:21
